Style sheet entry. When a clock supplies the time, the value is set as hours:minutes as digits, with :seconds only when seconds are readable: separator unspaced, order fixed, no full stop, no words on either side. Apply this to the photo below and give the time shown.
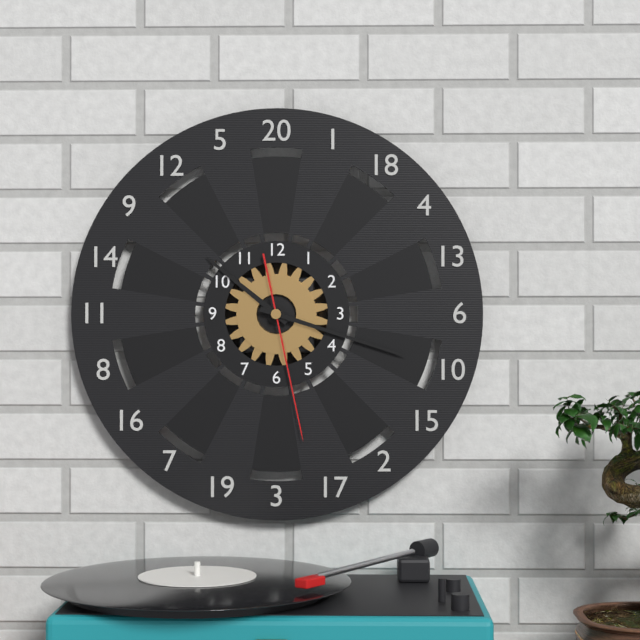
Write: 10:18:28
